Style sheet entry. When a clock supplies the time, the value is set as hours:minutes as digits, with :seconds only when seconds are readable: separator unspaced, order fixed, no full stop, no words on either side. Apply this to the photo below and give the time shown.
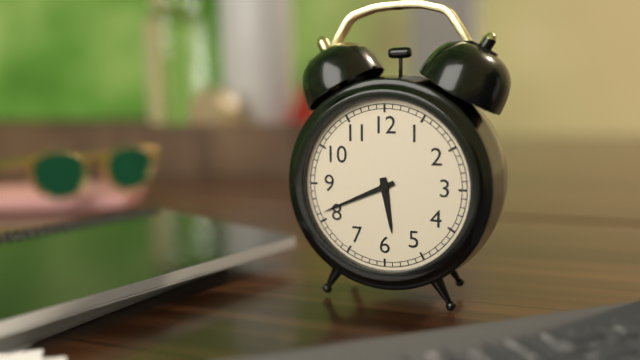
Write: 5:41
